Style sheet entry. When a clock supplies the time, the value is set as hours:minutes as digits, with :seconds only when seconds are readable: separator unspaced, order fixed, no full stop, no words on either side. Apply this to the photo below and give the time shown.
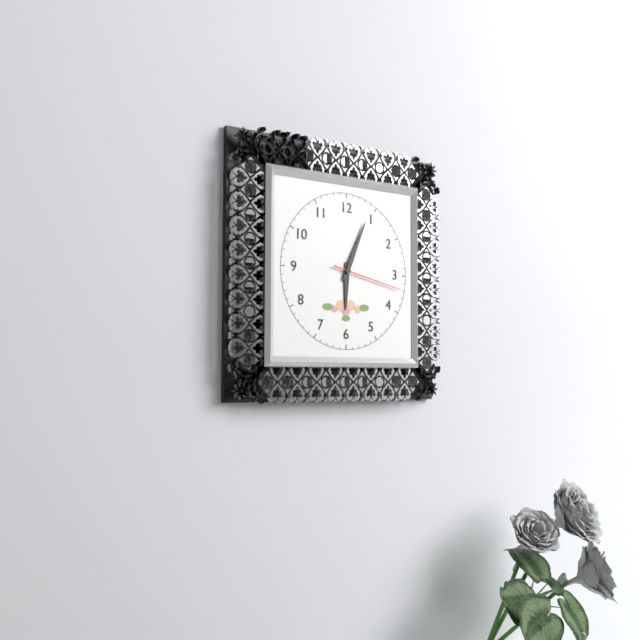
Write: 6:04:17
